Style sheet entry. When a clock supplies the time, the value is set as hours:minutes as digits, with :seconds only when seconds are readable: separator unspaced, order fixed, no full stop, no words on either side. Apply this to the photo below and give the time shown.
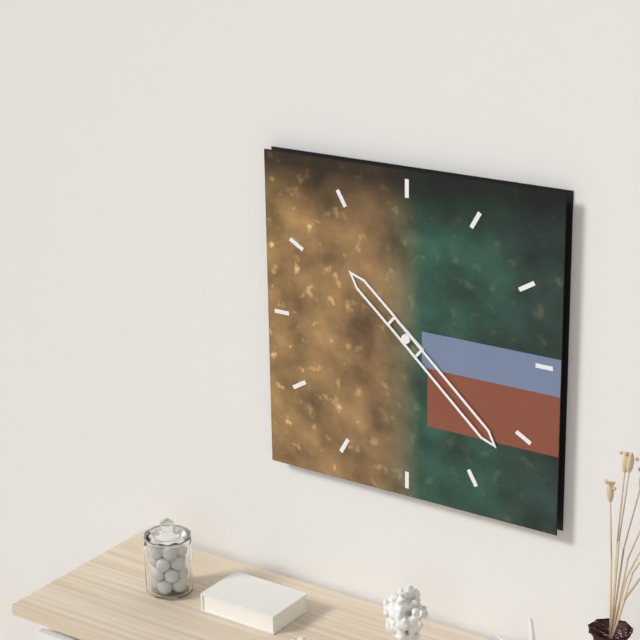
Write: 10:22
